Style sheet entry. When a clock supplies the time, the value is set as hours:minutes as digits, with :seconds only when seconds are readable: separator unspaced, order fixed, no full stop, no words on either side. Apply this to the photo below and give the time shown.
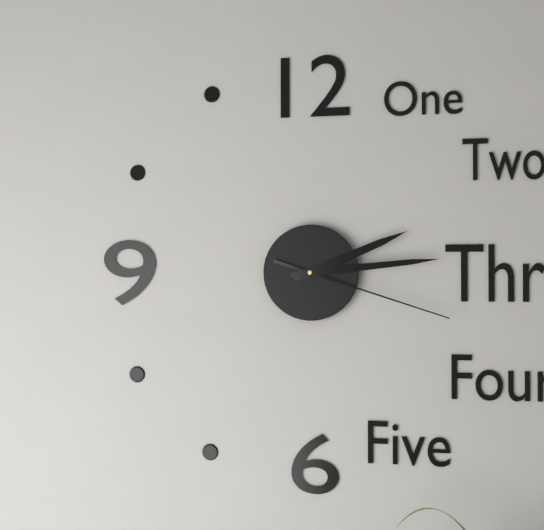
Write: 2:14:18
